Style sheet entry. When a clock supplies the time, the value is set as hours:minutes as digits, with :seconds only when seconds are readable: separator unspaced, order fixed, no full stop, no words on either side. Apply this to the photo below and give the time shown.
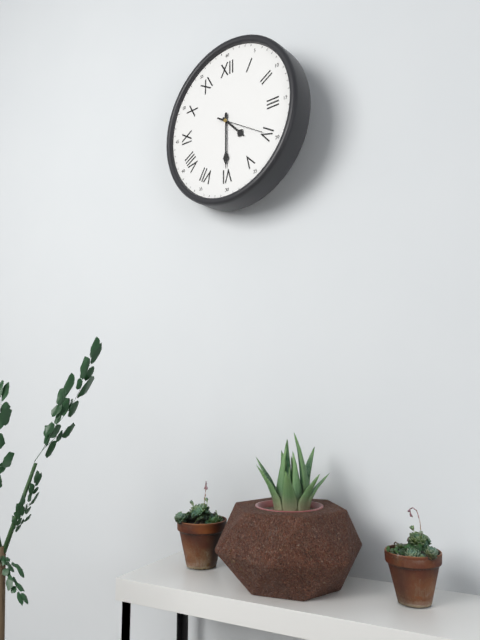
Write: 4:30
